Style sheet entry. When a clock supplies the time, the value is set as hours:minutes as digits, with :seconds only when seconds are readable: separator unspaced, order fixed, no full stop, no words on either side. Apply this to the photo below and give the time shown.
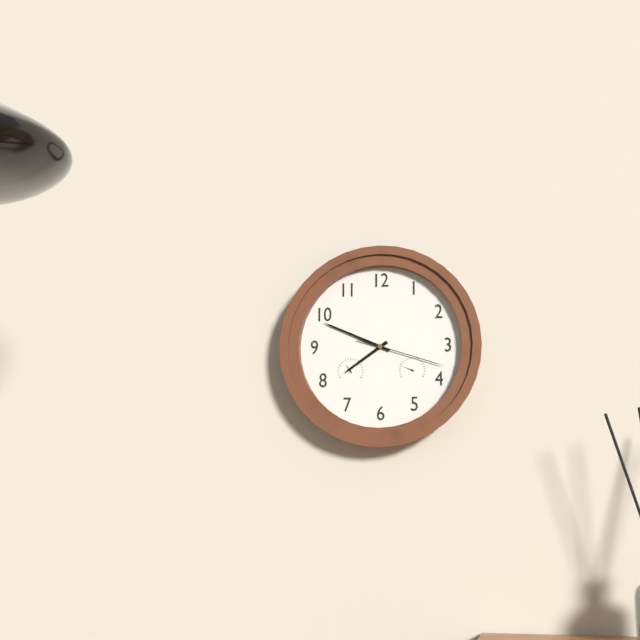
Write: 7:49:18
